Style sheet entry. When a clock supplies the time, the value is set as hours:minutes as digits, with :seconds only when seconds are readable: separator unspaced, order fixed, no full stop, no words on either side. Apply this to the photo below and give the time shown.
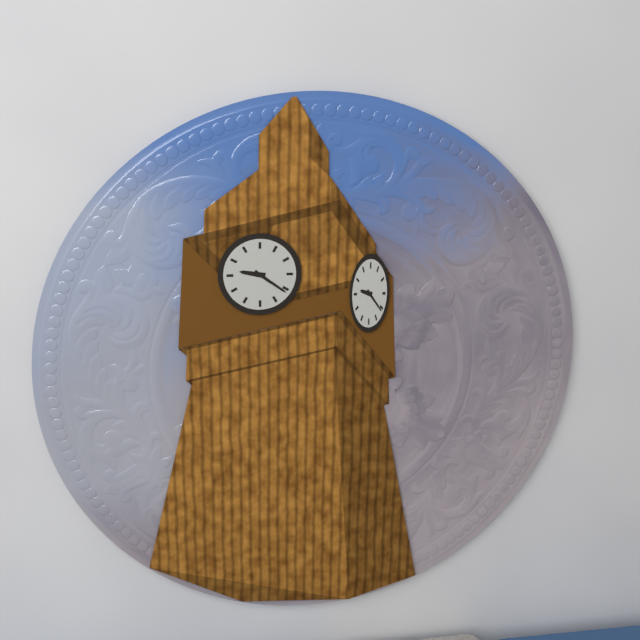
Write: 9:21
